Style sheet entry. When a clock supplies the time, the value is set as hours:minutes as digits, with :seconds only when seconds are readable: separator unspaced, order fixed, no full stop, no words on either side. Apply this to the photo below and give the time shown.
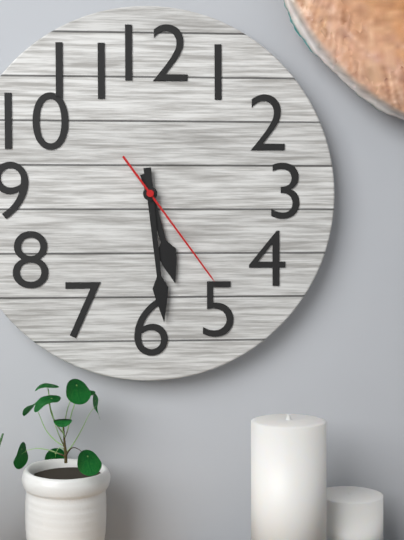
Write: 5:29:24
